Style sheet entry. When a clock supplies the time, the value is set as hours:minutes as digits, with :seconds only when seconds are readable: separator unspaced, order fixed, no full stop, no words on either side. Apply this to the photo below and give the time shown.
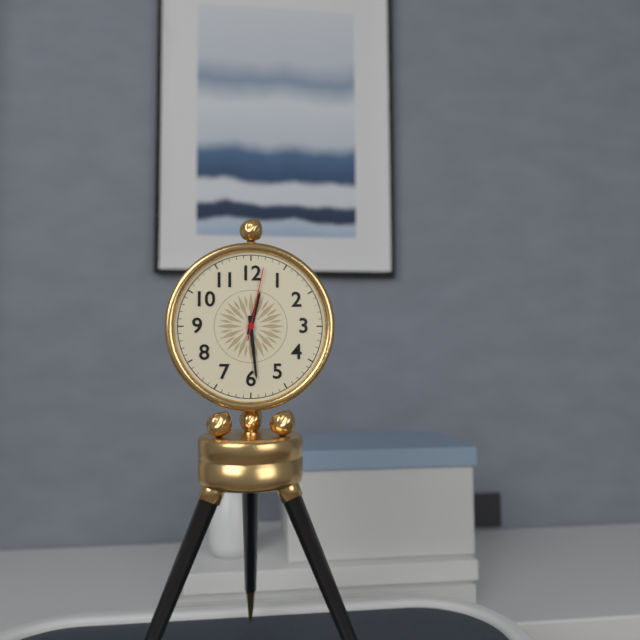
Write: 12:29:02
